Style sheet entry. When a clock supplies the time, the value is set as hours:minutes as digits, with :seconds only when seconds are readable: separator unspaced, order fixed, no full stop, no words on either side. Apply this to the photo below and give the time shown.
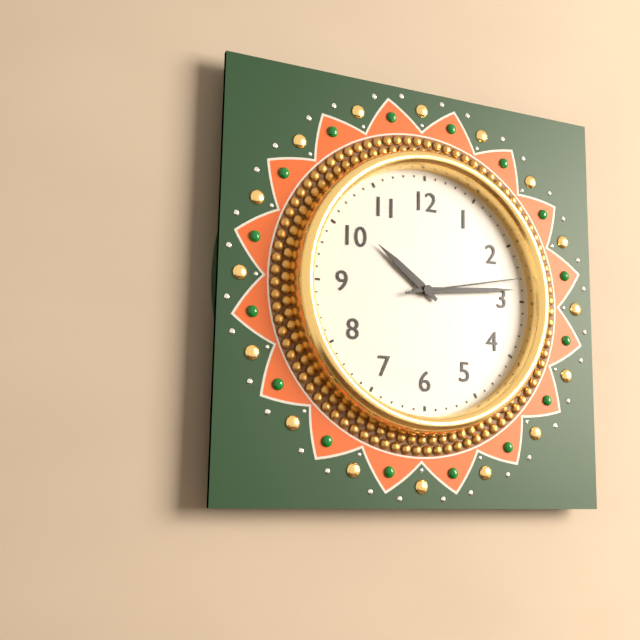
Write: 10:14:13
